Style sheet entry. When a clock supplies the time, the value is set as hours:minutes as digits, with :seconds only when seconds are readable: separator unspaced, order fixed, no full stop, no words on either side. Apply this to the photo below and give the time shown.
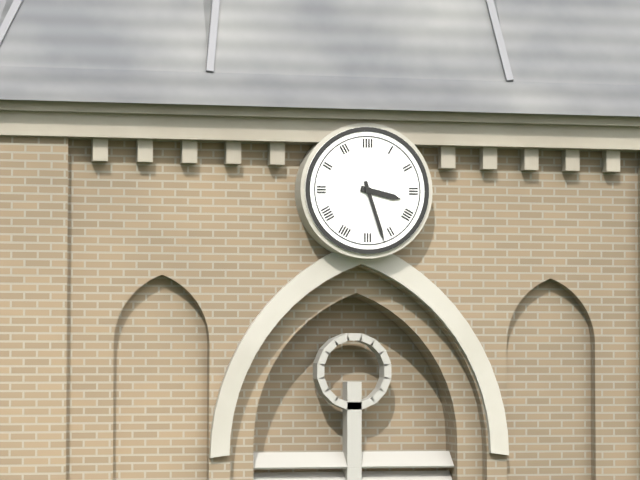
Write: 3:27
